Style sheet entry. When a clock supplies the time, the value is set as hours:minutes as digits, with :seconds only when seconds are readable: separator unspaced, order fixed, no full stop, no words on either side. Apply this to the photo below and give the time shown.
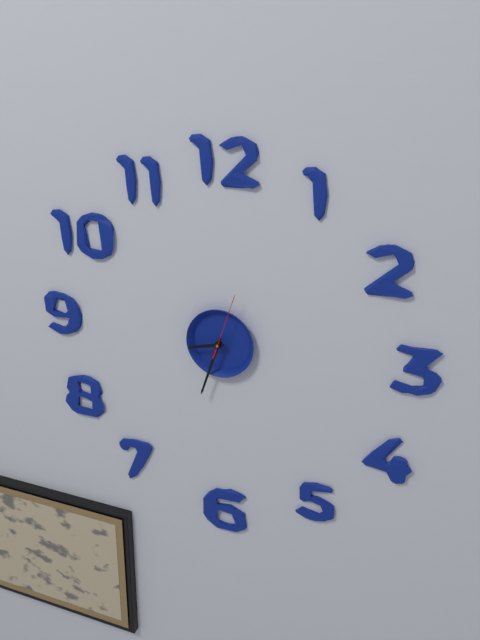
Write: 8:33:03
